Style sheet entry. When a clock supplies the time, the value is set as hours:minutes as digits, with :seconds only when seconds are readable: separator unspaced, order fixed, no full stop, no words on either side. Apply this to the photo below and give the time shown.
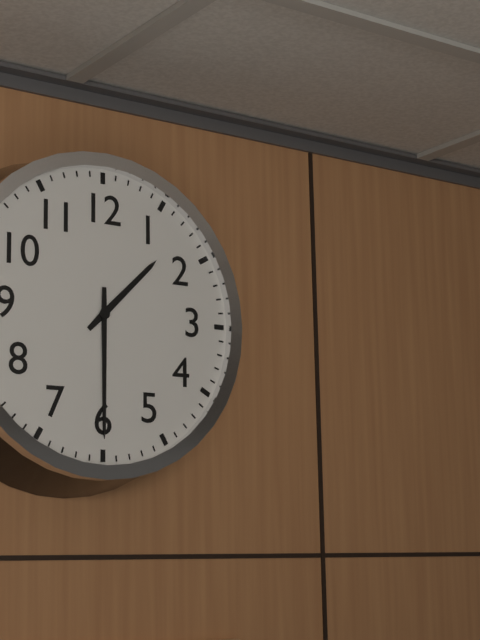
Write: 1:30
